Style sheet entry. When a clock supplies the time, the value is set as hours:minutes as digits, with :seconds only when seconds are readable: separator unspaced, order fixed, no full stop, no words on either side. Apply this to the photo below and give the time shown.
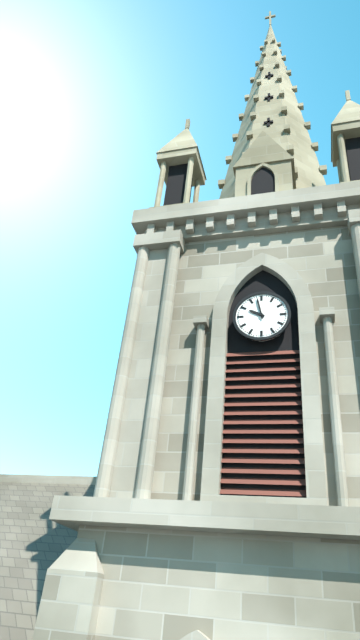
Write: 9:58
